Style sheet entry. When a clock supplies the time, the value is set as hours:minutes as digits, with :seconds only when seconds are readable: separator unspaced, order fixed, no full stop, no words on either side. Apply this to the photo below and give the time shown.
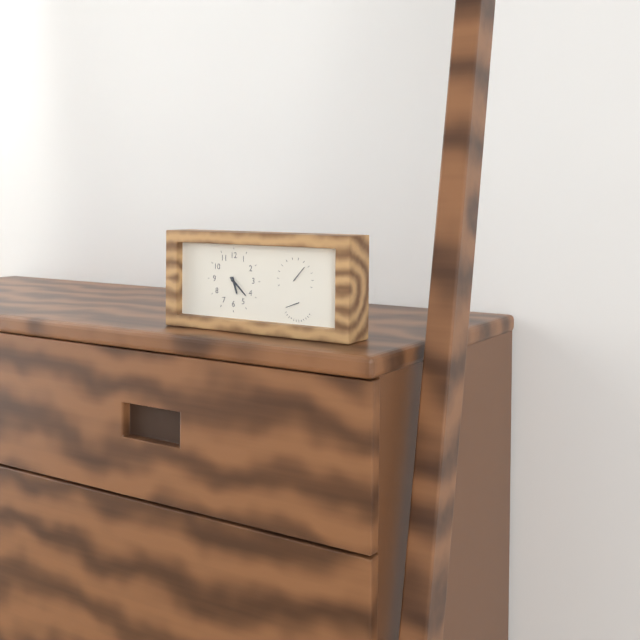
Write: 5:22
